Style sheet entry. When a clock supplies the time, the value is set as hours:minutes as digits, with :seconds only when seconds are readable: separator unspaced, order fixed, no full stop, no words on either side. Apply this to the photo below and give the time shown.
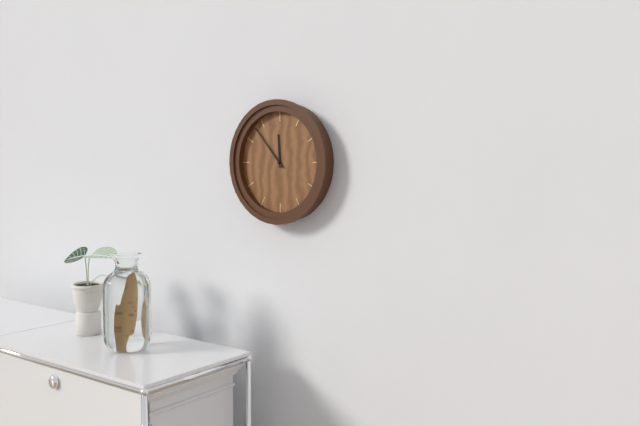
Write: 11:53
